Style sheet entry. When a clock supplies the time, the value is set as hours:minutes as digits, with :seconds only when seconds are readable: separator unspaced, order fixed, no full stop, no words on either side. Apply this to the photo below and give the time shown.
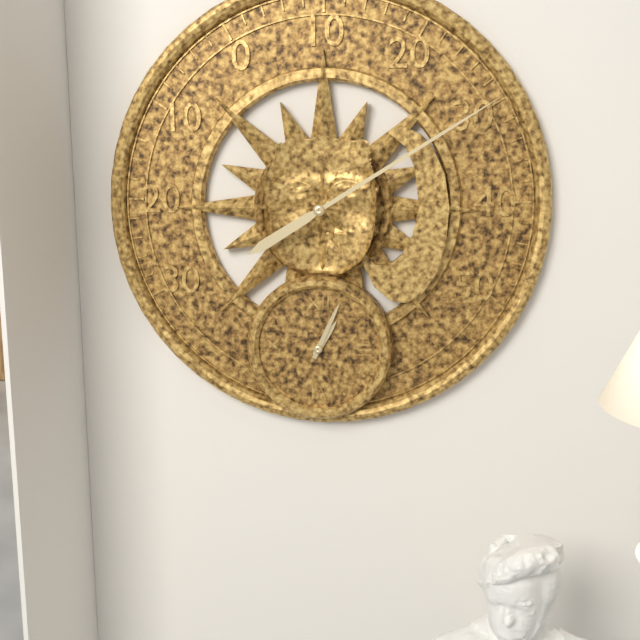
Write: 1:04
